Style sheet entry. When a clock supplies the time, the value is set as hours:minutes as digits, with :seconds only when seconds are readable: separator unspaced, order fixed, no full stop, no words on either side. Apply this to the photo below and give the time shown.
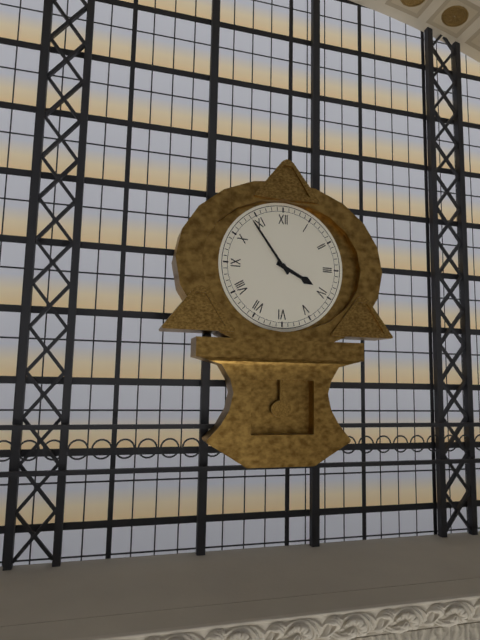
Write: 3:54
